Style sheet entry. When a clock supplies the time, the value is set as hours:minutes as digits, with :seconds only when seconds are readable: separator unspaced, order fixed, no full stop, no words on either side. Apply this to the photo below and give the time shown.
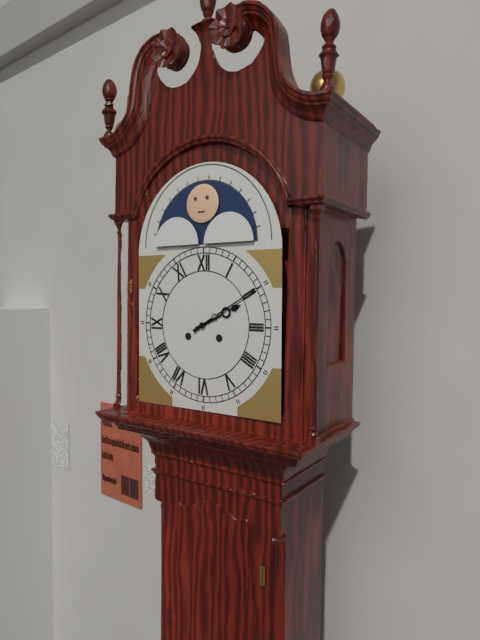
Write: 2:10
